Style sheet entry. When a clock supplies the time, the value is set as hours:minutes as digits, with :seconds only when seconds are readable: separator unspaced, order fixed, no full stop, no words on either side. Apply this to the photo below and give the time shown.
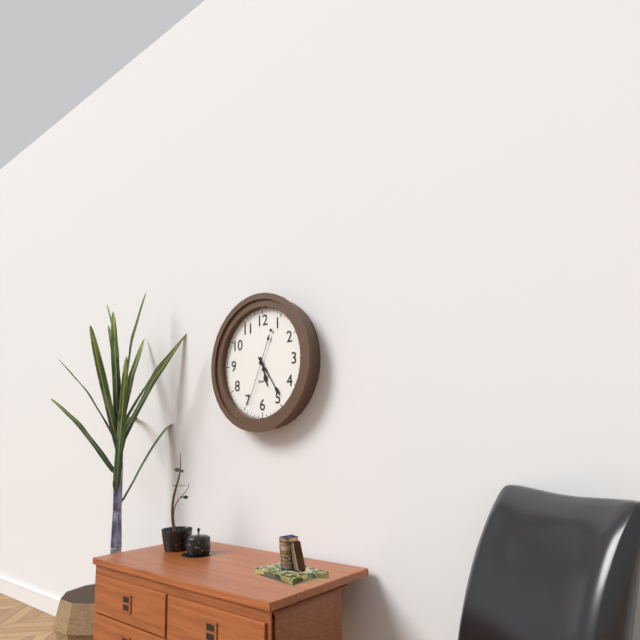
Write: 5:24:34
